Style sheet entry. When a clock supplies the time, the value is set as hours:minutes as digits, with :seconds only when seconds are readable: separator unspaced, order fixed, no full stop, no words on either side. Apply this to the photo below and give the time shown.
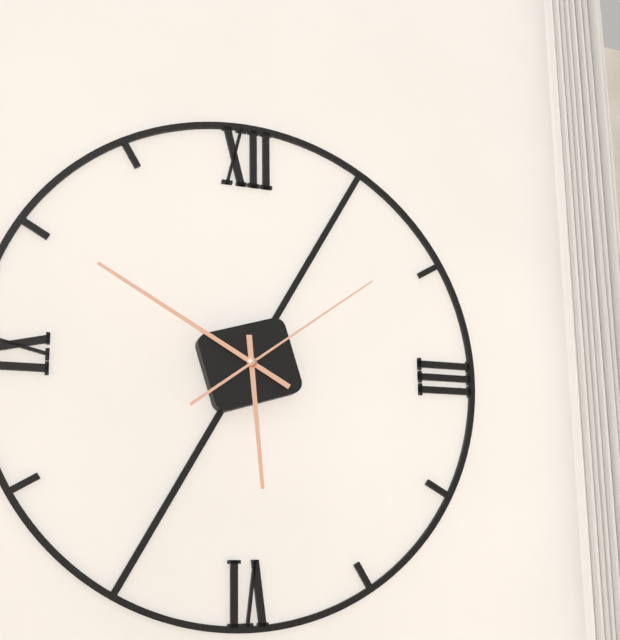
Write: 5:50:09
